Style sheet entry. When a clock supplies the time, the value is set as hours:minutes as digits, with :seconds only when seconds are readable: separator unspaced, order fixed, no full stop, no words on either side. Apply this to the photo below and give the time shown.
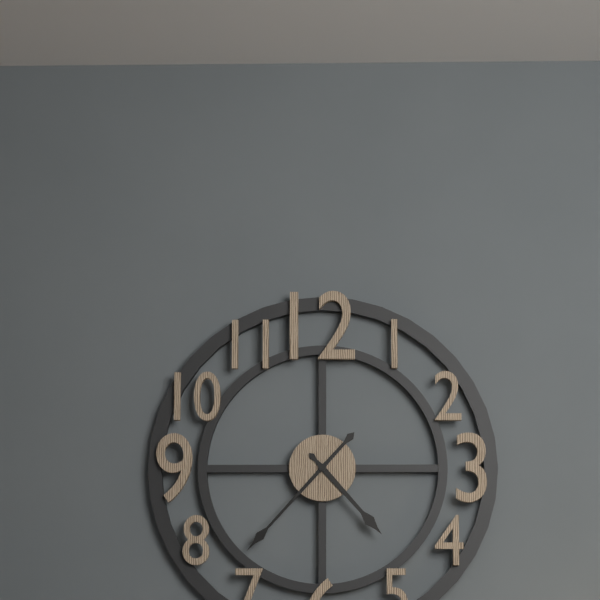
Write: 4:37
